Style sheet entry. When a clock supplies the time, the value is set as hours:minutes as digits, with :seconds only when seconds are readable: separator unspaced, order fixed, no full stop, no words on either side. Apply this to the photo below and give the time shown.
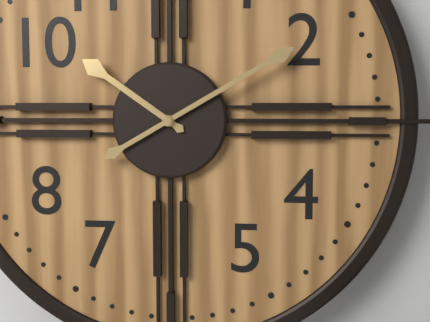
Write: 10:10
